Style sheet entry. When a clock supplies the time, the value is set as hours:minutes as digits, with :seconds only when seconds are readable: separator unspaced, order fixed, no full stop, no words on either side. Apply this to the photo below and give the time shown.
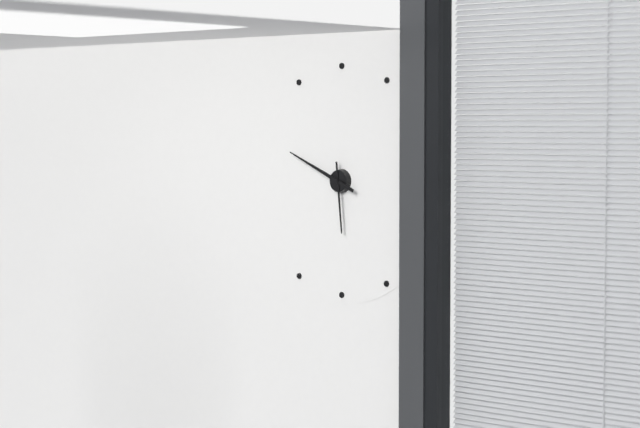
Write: 5:49
